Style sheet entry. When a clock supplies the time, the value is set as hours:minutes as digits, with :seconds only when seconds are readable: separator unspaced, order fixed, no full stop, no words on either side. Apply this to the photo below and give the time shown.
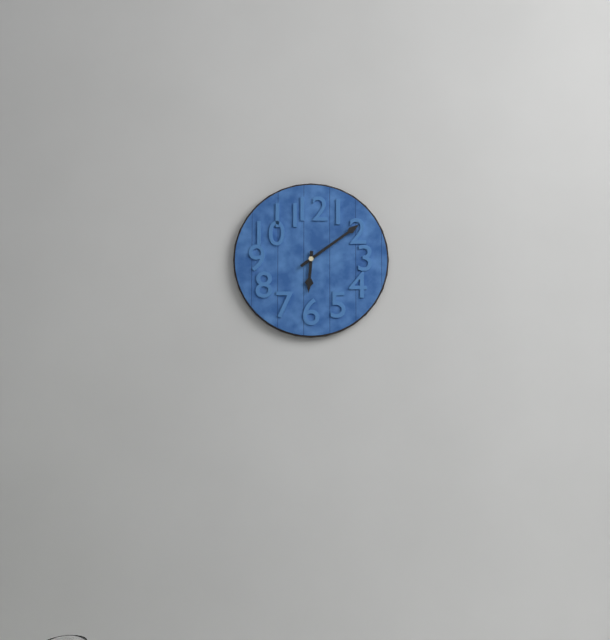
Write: 6:09
